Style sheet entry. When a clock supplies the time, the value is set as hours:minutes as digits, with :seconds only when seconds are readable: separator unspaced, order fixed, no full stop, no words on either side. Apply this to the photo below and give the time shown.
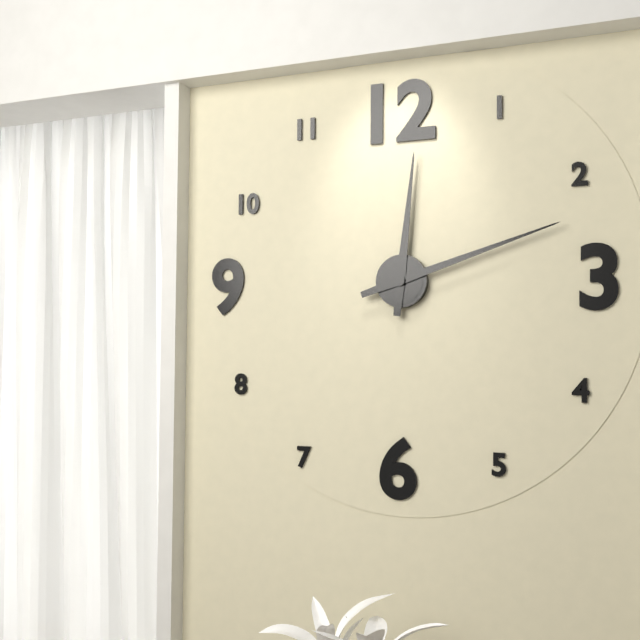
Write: 12:12
